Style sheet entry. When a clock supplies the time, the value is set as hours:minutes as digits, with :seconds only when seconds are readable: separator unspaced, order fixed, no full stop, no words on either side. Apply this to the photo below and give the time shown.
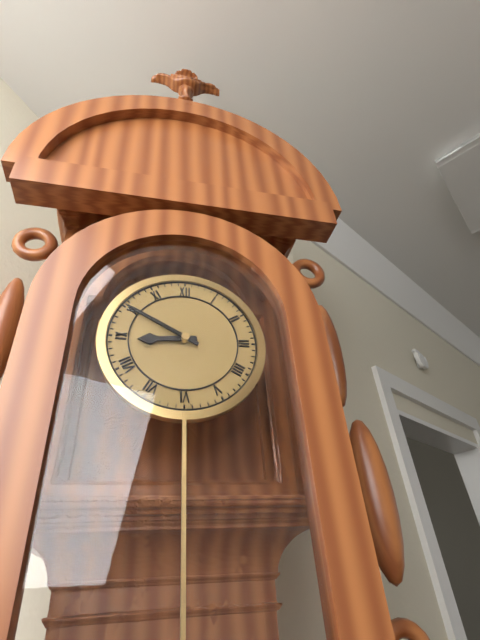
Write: 8:50
